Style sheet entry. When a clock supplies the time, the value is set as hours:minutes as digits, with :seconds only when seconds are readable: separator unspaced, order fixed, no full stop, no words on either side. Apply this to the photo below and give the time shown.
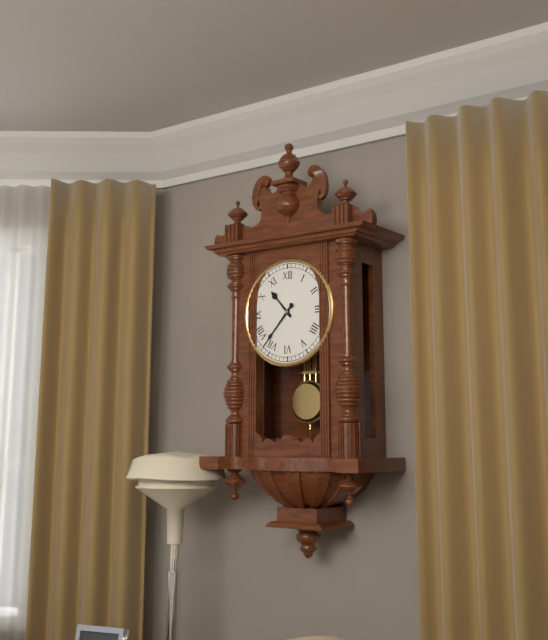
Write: 10:37
